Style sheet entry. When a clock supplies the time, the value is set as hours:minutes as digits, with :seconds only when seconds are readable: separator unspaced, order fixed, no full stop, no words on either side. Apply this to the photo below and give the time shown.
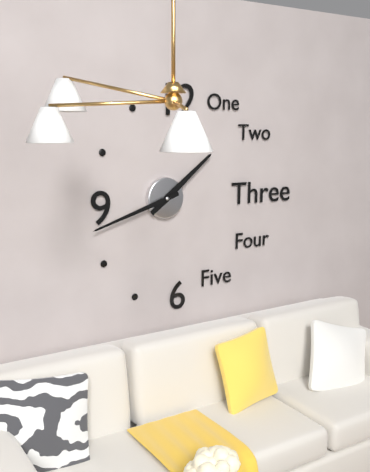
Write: 1:42
